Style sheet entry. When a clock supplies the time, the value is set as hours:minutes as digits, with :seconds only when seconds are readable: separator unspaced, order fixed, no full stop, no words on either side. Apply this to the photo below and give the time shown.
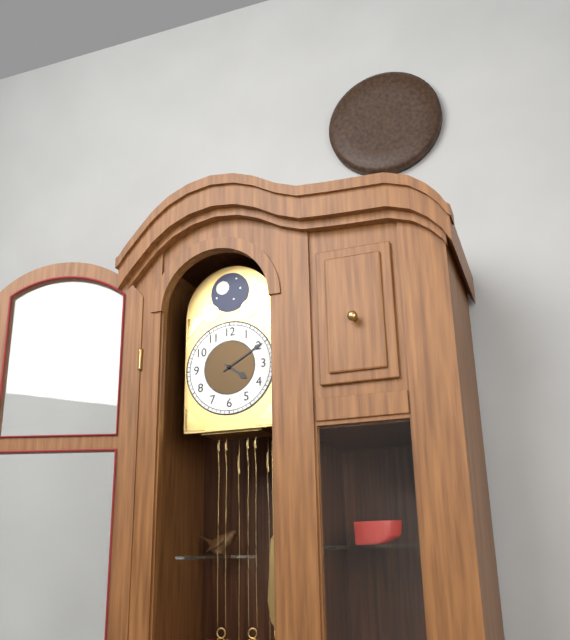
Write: 4:10
